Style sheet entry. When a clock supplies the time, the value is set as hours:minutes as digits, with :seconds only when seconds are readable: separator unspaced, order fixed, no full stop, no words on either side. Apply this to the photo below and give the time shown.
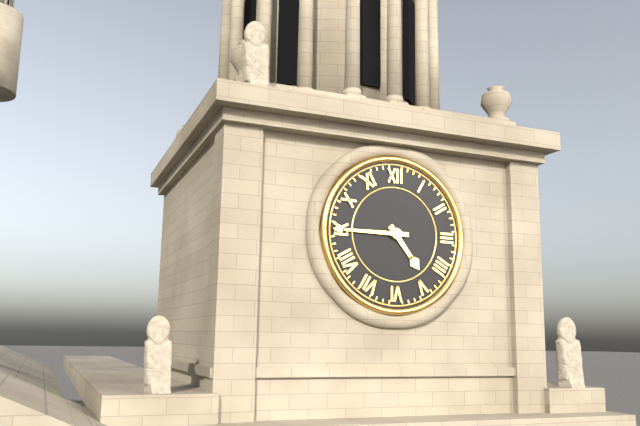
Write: 4:45
